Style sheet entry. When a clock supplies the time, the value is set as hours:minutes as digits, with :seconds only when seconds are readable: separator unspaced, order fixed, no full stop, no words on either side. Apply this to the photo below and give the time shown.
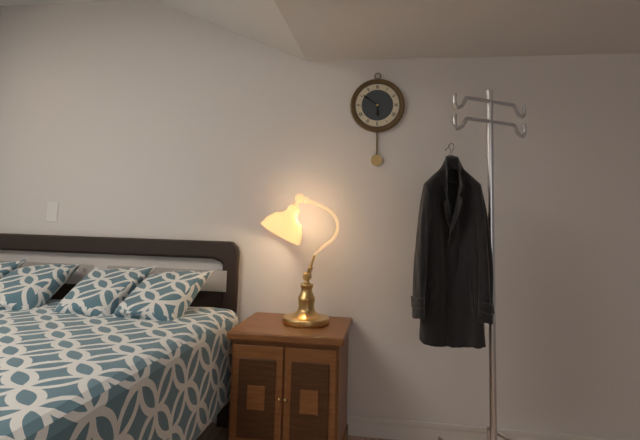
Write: 5:51
